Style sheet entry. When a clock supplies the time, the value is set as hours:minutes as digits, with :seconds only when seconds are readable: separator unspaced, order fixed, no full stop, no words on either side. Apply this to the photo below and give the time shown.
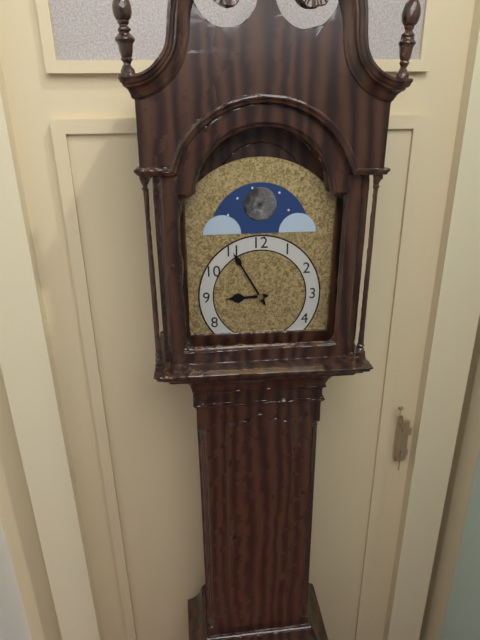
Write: 8:55
